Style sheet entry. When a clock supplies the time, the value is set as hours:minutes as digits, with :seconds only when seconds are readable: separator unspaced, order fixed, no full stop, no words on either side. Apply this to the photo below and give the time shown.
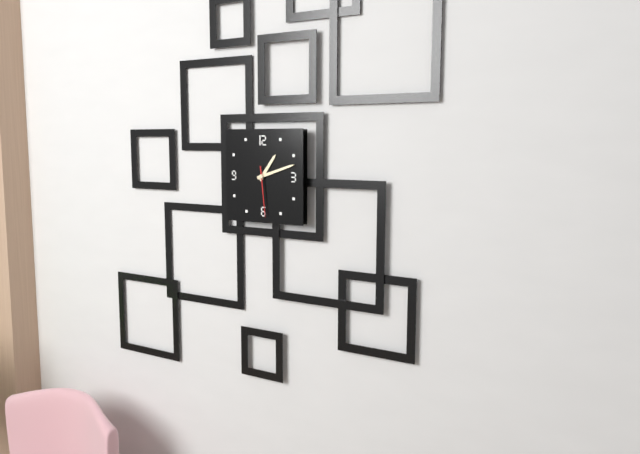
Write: 1:12:29
